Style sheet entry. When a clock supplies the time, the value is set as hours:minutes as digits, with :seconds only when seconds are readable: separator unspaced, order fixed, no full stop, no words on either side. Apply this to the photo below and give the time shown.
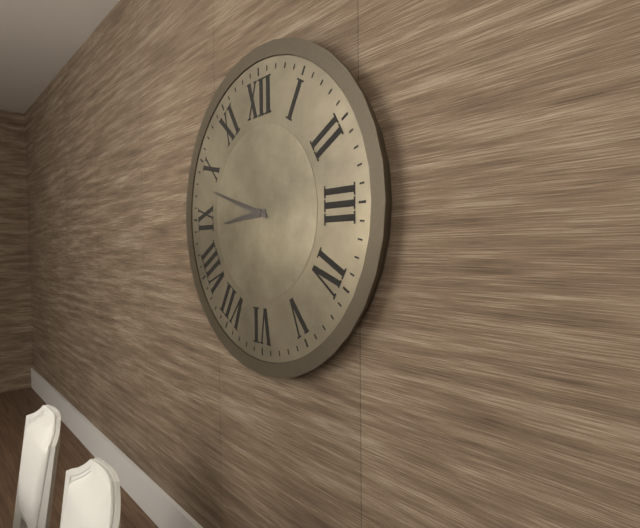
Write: 8:48
